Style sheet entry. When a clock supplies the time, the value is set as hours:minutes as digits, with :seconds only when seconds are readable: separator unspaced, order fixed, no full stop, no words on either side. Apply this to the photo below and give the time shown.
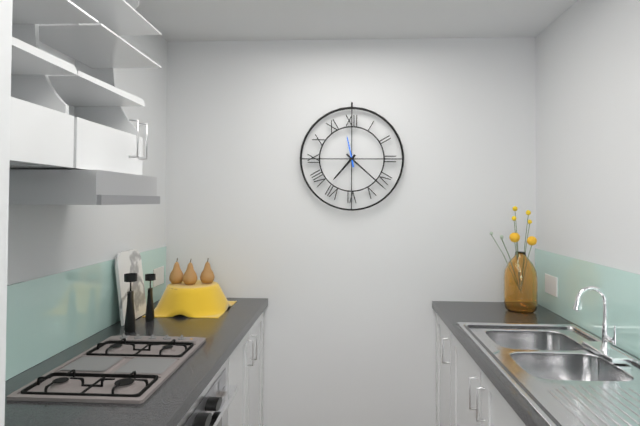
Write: 7:22
